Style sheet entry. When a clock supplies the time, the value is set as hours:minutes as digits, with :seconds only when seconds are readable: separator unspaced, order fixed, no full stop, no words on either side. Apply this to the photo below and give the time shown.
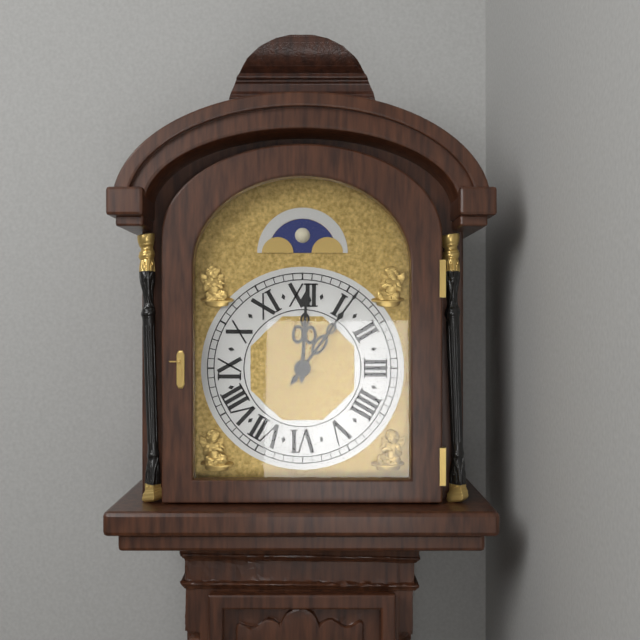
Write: 12:06
